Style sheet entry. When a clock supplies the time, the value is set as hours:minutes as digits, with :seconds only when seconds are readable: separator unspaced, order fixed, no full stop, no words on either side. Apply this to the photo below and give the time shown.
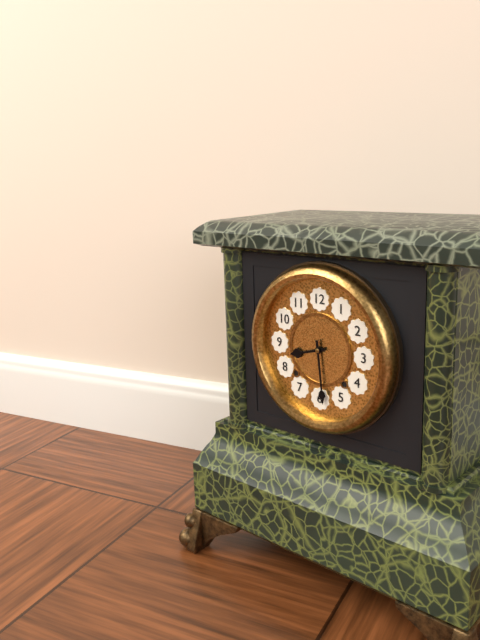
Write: 8:29
